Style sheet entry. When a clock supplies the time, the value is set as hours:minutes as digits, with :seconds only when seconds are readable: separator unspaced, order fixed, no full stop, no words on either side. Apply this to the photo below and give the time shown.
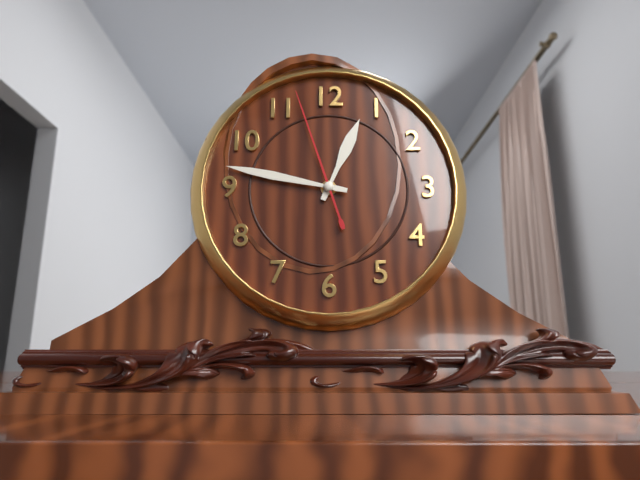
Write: 12:47:57
